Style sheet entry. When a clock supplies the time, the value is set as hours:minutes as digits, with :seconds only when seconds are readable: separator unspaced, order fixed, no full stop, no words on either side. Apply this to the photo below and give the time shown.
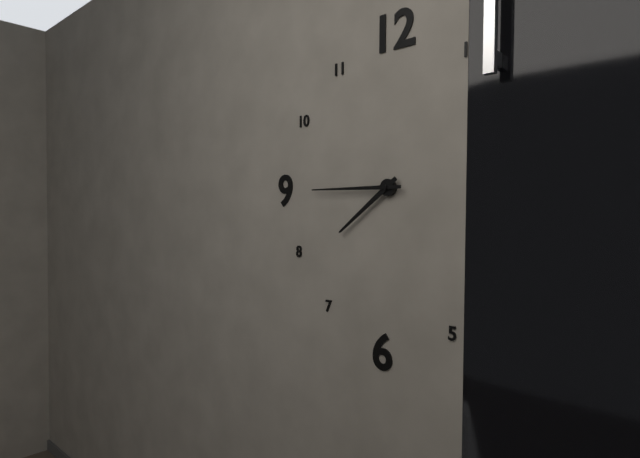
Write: 7:45
